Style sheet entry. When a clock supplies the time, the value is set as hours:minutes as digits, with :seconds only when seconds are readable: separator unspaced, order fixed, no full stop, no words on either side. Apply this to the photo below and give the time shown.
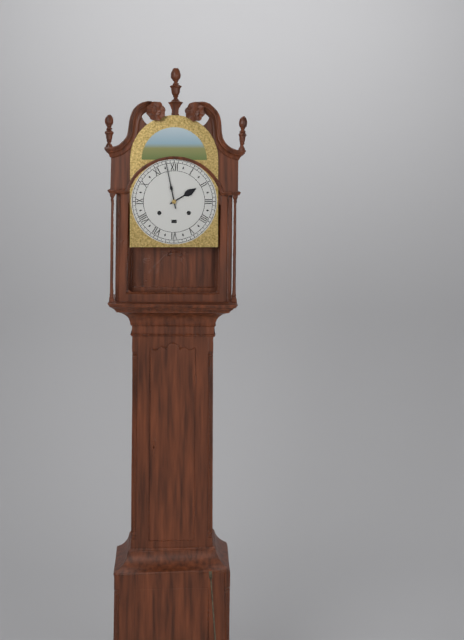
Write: 1:58
